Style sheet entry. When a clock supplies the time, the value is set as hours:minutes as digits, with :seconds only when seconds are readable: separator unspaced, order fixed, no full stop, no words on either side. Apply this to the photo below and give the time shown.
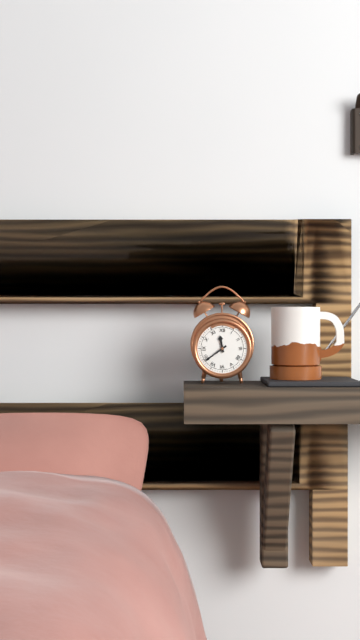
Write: 11:39
